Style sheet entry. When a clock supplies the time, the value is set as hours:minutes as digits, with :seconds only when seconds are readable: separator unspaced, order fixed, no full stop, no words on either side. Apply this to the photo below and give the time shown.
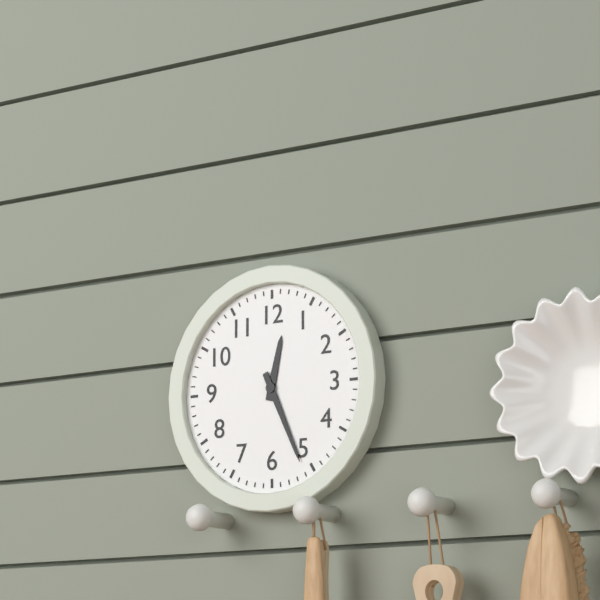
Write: 12:26
